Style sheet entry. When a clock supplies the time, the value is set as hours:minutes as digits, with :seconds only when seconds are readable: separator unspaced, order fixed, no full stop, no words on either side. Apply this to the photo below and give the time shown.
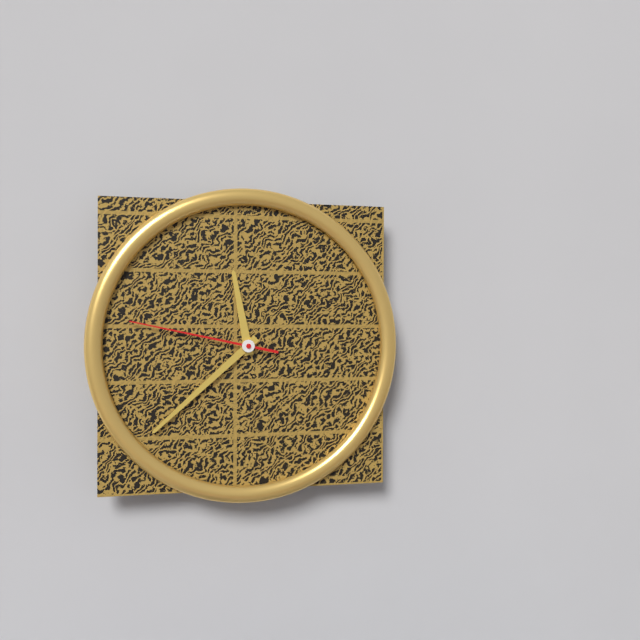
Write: 11:38:47
